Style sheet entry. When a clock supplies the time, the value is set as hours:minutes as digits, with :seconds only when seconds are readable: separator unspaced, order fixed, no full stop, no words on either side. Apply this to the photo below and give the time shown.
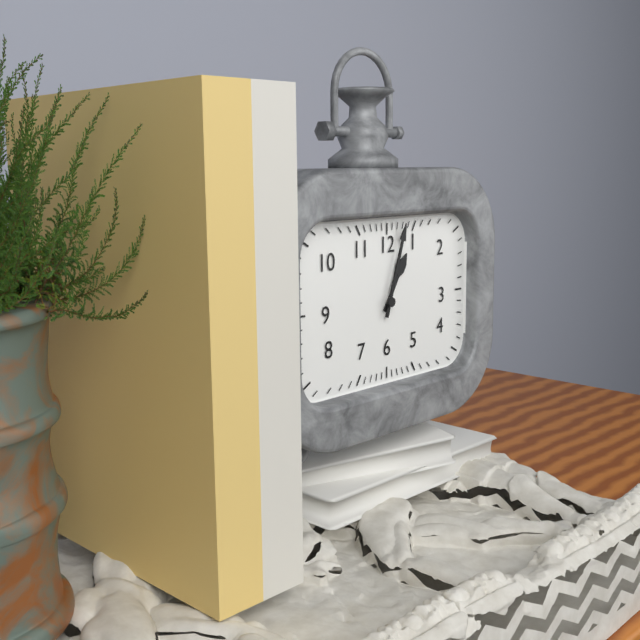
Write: 1:03
